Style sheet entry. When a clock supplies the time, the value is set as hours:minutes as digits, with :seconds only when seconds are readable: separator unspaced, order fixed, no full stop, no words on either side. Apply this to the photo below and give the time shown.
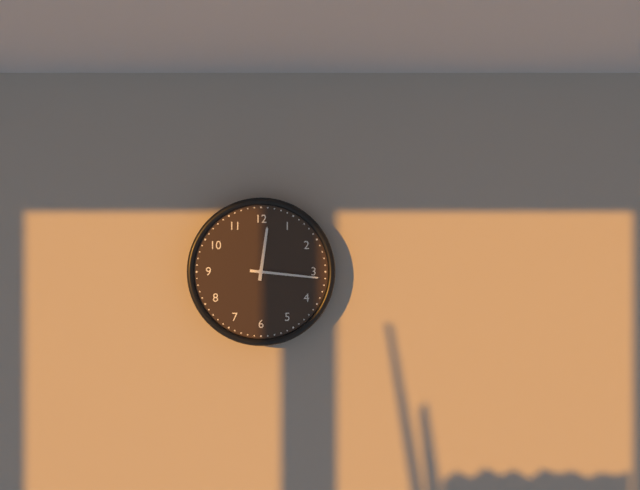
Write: 12:16
